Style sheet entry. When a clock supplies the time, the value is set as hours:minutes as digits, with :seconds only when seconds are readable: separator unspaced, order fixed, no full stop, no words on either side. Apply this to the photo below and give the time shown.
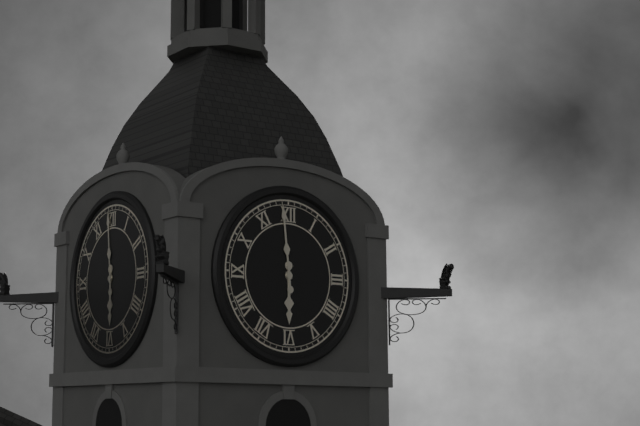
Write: 5:59
